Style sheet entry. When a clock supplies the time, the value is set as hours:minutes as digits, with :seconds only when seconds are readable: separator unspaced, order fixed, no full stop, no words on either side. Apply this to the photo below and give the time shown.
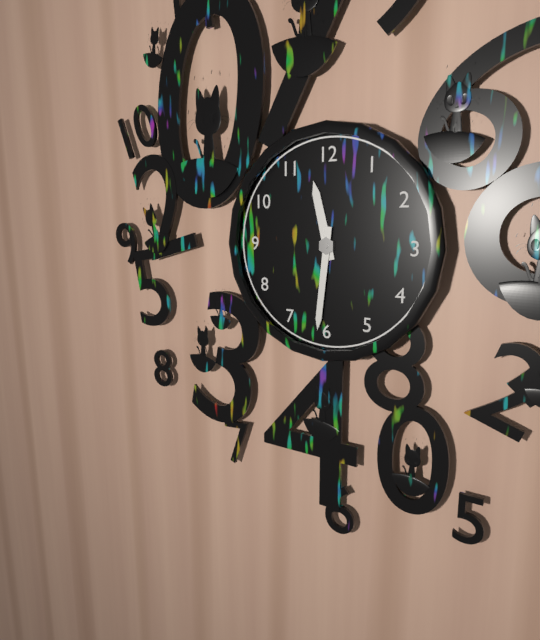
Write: 11:31
